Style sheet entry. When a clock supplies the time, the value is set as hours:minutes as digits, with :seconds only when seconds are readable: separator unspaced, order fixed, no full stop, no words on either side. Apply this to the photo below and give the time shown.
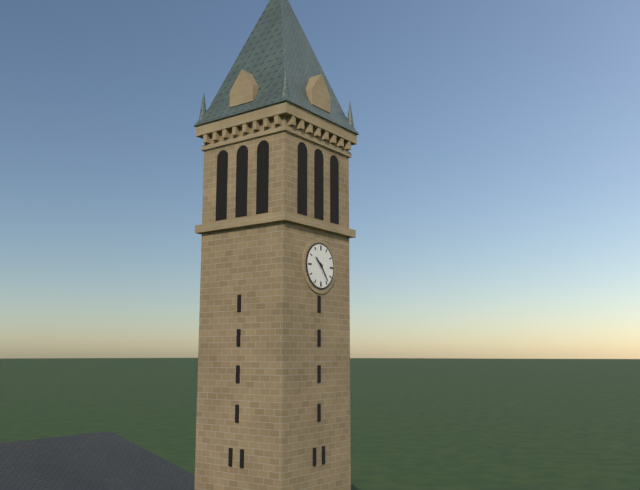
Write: 10:24
